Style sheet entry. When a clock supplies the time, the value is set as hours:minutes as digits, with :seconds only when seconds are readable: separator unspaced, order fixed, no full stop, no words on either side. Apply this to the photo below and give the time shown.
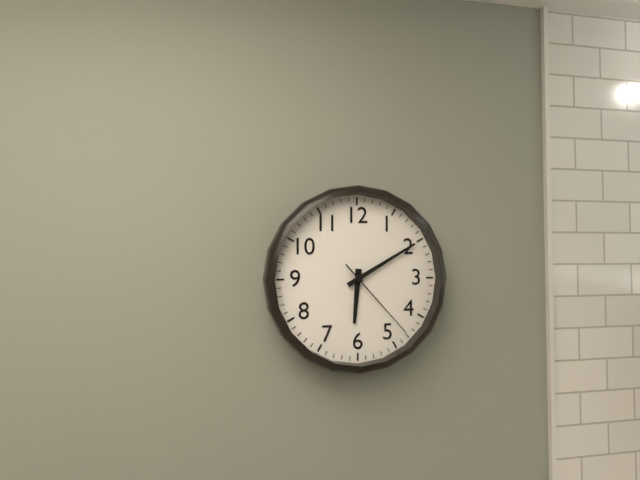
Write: 6:10:23
